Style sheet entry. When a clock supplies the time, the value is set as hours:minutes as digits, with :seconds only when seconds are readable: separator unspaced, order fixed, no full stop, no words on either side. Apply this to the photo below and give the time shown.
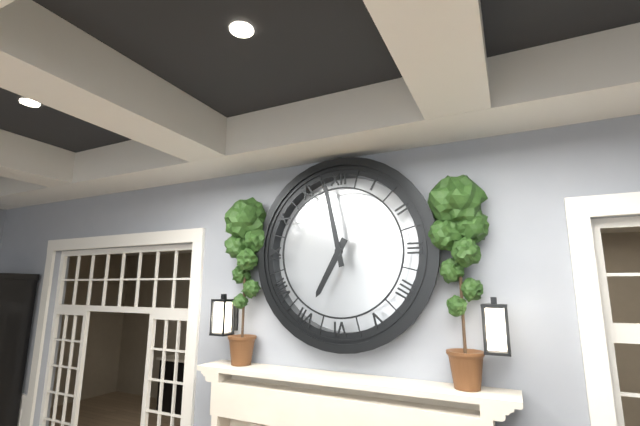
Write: 6:58
